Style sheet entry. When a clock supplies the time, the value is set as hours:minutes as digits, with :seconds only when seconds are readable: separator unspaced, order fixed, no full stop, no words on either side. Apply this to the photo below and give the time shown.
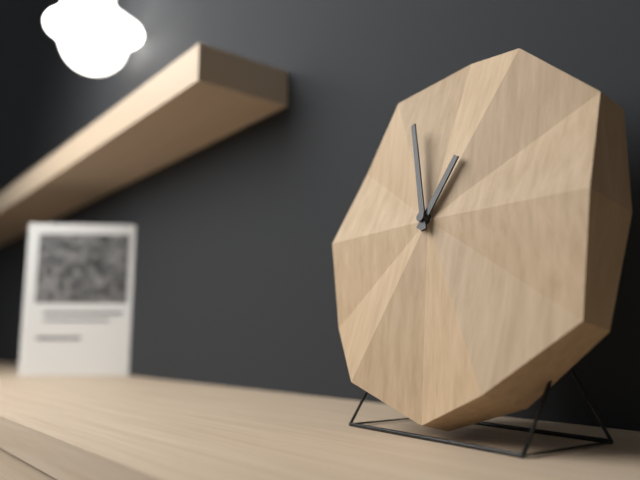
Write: 12:57
